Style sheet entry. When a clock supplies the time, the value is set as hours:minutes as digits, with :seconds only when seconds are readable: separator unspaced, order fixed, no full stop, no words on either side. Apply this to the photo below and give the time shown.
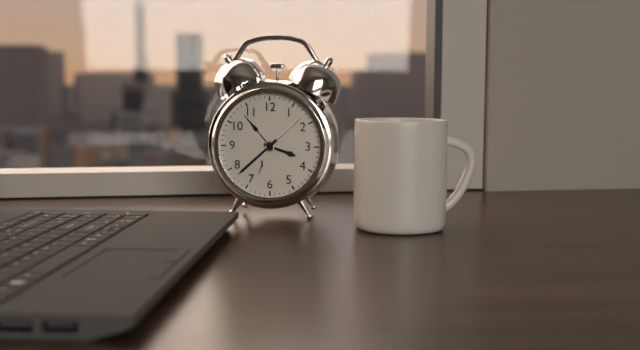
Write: 3:38
